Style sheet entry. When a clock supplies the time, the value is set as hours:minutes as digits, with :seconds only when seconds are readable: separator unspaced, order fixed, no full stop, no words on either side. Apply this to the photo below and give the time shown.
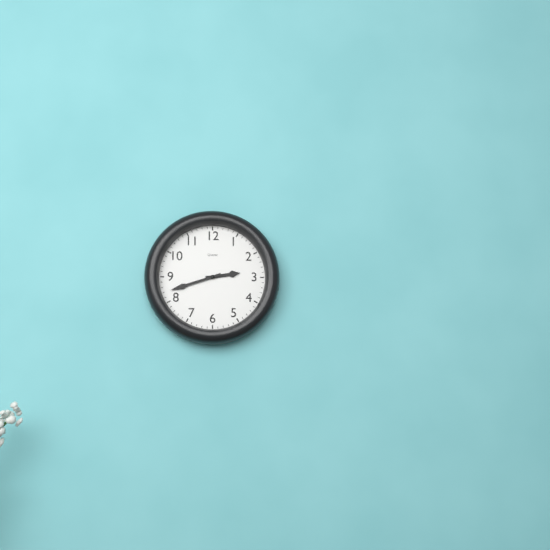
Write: 2:42
